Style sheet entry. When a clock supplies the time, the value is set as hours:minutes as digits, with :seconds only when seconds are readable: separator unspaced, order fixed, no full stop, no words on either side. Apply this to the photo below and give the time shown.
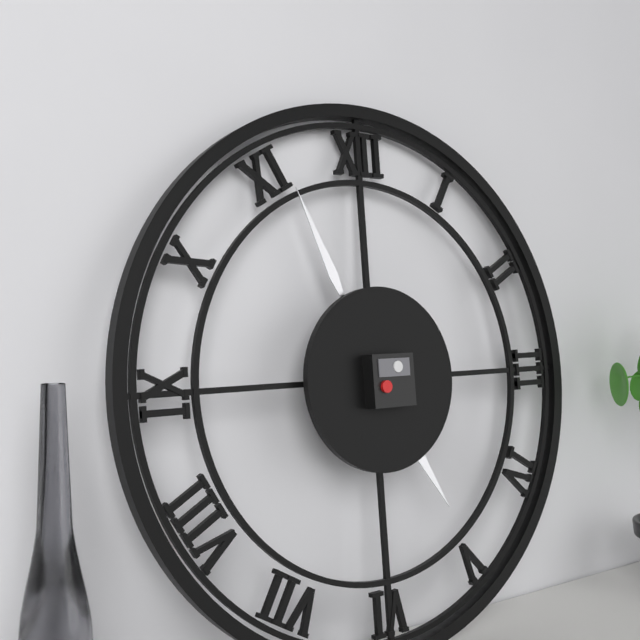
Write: 4:56
